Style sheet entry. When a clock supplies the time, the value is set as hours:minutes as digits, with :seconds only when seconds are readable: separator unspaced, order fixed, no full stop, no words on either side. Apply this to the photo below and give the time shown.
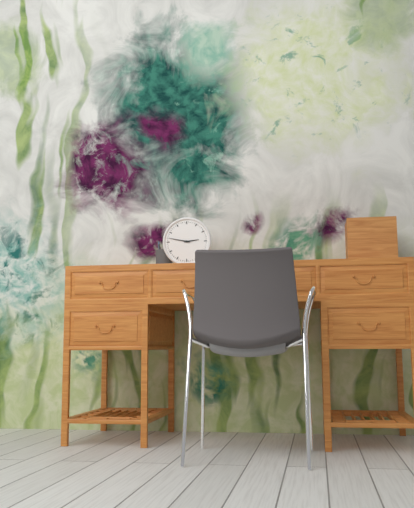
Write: 2:47
